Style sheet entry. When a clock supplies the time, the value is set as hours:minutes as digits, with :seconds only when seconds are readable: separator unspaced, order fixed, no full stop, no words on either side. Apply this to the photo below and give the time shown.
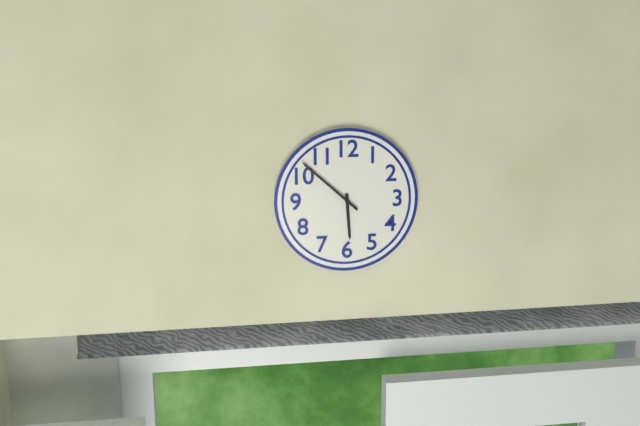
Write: 5:52
